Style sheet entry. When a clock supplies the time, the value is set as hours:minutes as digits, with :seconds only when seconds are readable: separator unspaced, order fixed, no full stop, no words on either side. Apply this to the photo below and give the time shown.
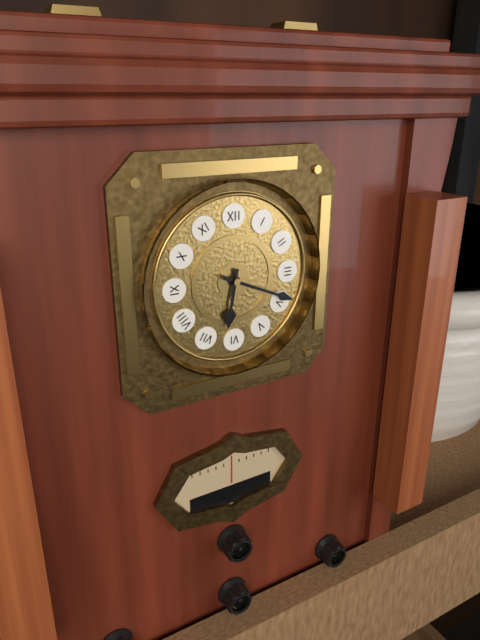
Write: 6:19
